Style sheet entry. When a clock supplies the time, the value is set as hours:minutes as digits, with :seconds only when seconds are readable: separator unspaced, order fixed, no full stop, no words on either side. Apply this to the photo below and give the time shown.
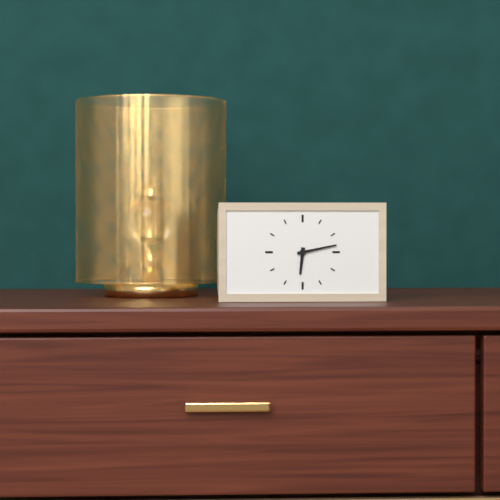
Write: 6:13
